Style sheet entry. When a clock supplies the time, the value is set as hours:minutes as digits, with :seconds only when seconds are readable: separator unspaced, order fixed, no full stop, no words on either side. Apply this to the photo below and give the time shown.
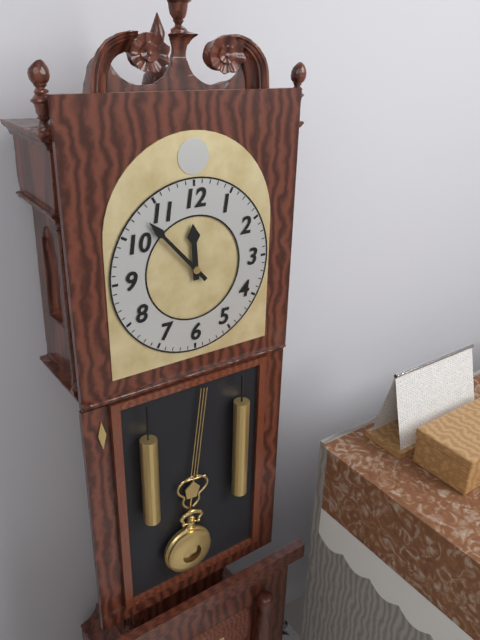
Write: 11:53
